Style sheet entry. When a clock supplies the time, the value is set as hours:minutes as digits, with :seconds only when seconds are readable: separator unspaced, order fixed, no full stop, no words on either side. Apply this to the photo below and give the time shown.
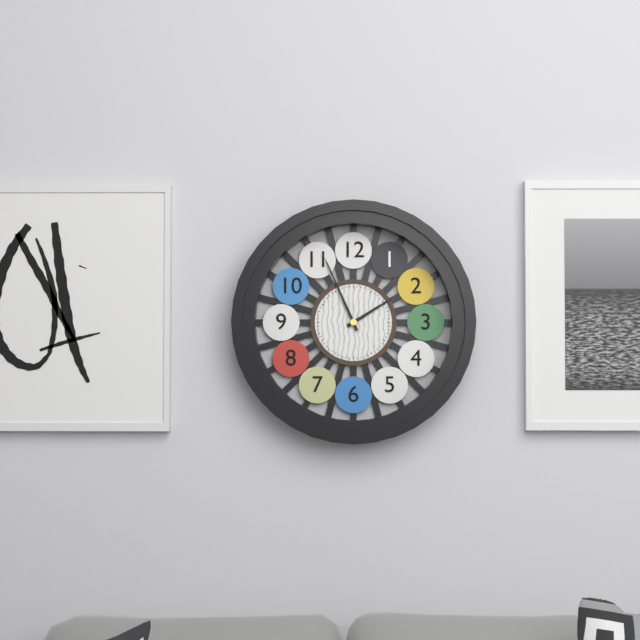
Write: 1:56
